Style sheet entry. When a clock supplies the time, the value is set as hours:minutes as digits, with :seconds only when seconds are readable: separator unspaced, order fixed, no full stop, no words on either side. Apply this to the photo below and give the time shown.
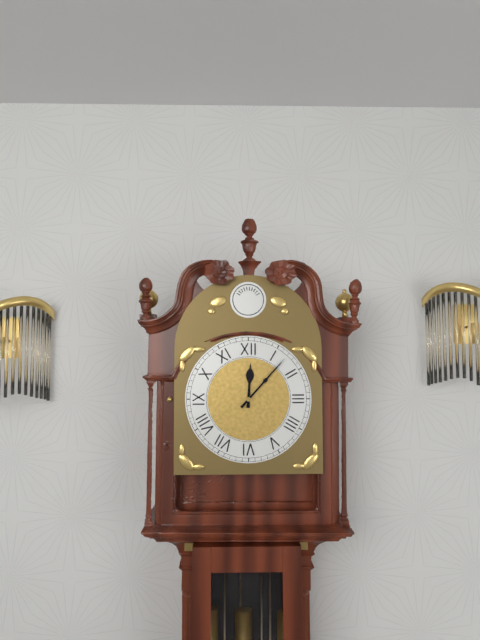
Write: 12:07
